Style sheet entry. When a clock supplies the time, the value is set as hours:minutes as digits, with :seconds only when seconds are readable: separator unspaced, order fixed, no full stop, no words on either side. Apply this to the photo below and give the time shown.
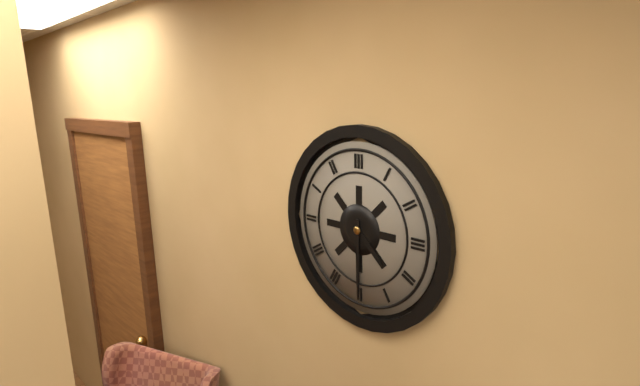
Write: 4:30
